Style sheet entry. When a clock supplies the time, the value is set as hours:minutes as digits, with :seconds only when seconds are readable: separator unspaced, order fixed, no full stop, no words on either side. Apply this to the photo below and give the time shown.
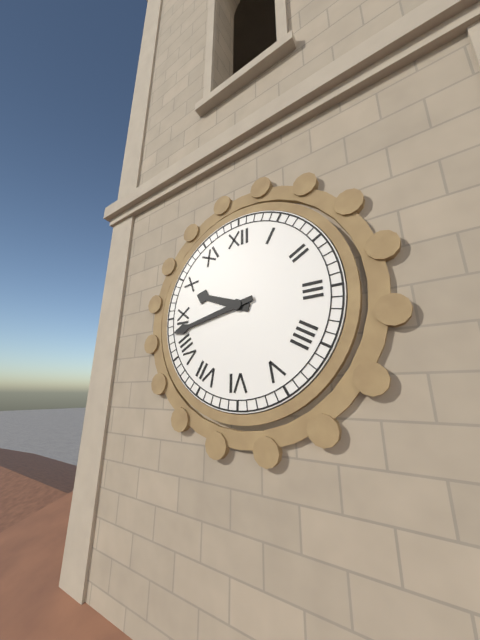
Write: 9:43
